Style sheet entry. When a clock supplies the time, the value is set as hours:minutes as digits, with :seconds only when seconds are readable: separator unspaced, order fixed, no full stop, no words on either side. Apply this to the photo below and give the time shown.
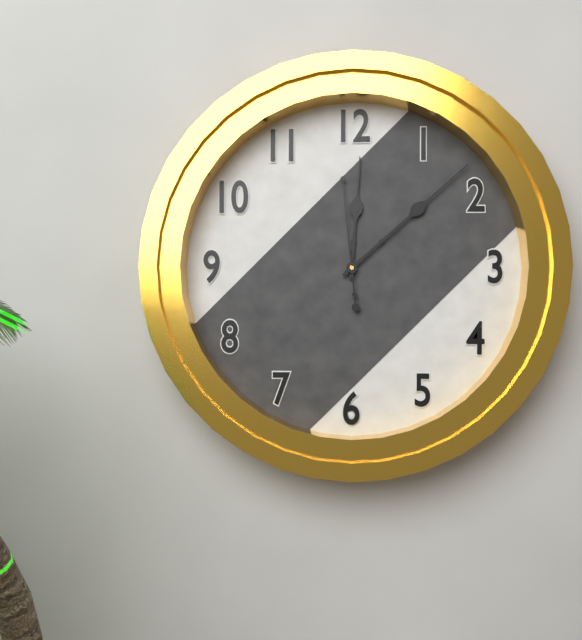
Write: 12:08:59
